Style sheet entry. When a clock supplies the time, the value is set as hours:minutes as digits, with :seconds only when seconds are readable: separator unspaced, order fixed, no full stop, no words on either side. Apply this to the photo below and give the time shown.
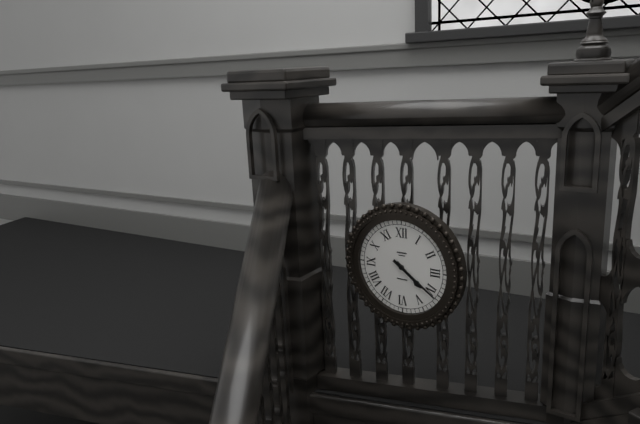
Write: 4:21
